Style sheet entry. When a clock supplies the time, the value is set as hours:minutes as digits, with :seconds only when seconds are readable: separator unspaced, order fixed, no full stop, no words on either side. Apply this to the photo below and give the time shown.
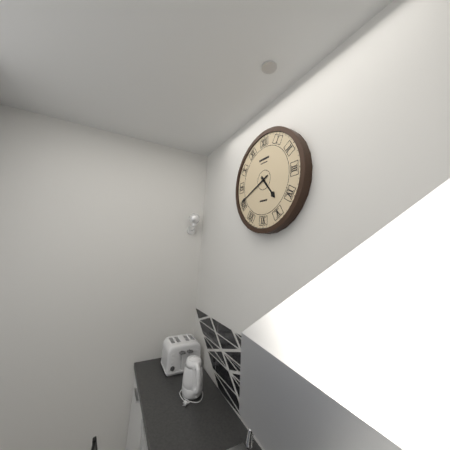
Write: 4:41
